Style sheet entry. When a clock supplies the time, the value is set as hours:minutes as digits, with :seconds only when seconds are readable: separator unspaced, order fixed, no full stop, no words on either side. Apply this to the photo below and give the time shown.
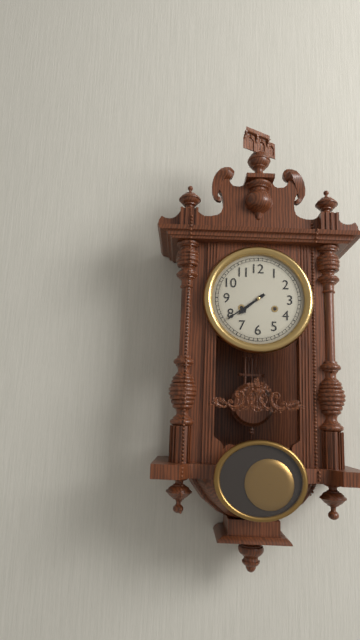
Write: 7:39
